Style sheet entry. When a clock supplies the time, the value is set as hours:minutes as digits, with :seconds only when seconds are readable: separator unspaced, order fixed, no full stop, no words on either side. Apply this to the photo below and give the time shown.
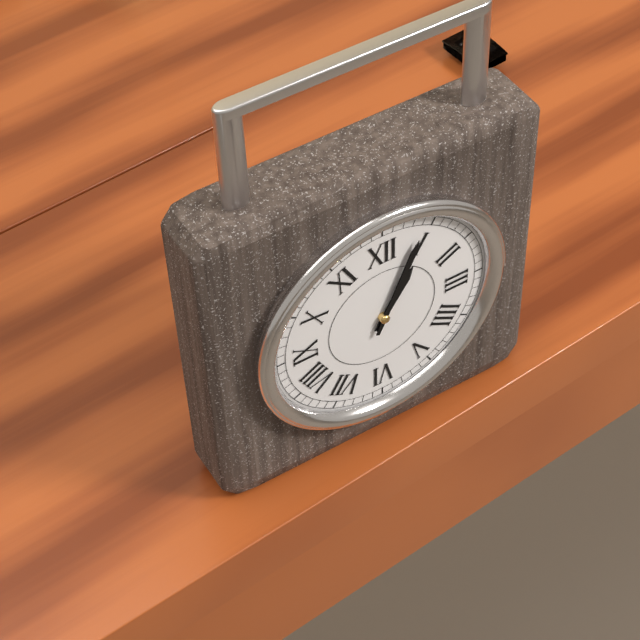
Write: 1:04
